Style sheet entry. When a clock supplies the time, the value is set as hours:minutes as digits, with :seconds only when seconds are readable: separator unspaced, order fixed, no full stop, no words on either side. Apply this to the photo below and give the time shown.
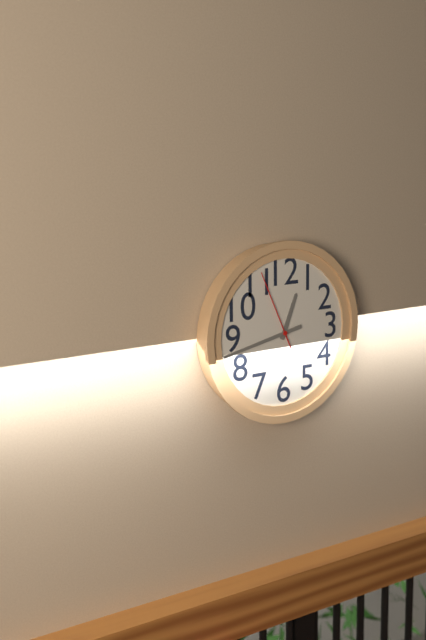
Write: 12:43:56
